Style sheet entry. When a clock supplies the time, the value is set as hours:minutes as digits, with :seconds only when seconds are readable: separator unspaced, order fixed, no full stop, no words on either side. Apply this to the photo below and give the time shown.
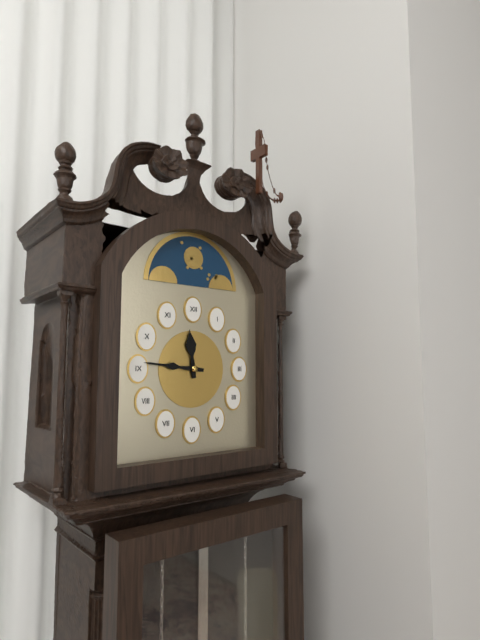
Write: 11:46
